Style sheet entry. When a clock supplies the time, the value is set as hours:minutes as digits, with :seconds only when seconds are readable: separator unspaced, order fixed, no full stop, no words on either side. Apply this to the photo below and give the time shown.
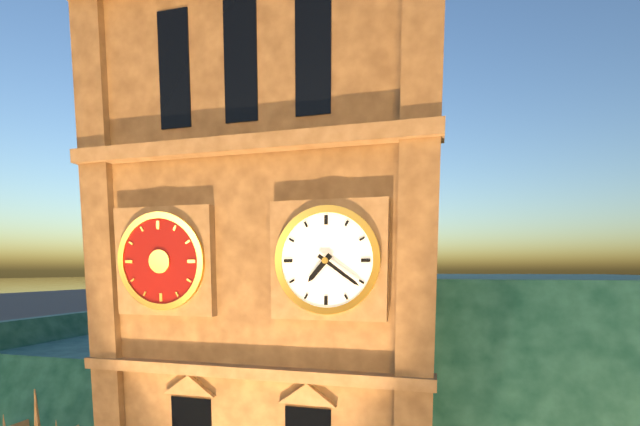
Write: 7:21
